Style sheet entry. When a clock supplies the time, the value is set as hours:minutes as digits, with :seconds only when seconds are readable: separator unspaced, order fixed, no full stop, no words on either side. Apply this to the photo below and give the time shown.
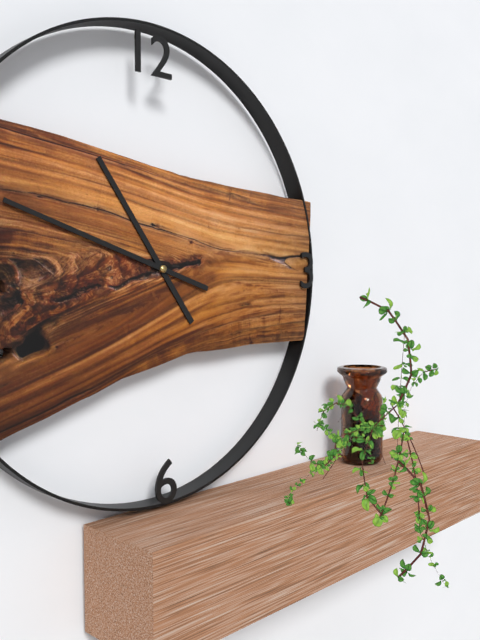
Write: 10:48
